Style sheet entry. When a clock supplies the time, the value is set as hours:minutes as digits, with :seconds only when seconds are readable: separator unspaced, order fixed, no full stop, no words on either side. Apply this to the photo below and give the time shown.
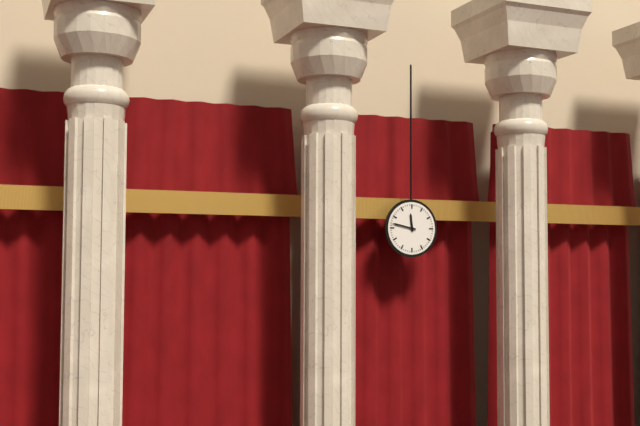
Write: 11:47
